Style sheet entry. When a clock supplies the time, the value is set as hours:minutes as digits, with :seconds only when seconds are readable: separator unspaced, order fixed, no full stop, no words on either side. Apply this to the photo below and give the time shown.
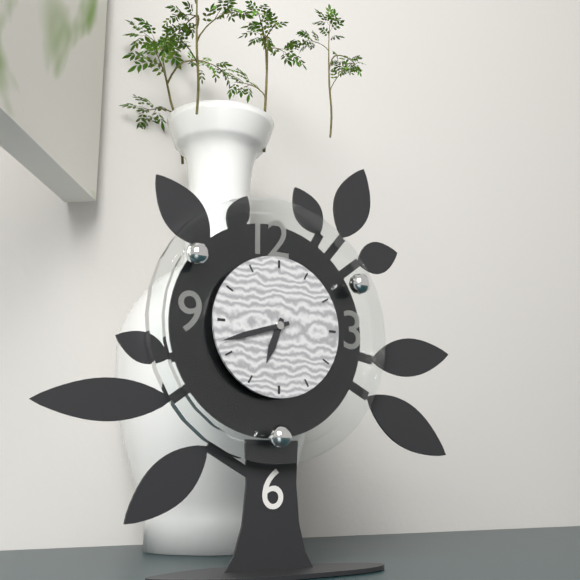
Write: 6:42
